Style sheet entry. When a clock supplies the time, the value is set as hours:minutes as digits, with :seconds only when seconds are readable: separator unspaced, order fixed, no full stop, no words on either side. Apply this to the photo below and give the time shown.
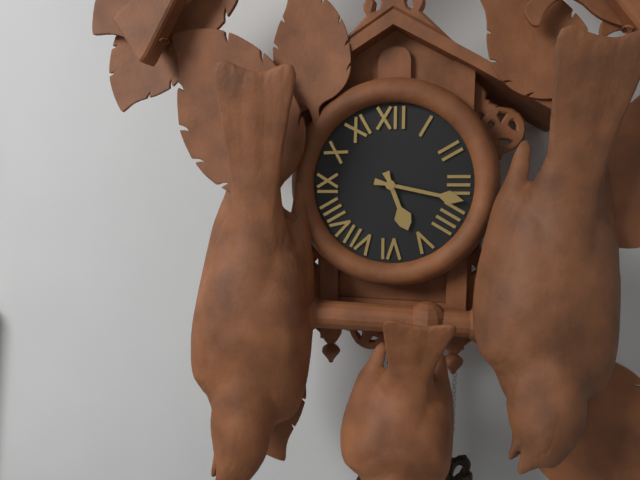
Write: 5:17
